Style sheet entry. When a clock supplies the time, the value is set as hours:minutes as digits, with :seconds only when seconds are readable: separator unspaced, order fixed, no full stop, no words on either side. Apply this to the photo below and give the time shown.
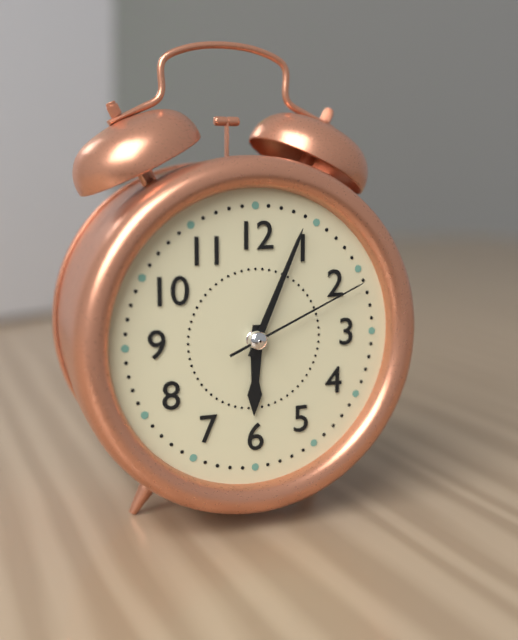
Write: 6:04:11
